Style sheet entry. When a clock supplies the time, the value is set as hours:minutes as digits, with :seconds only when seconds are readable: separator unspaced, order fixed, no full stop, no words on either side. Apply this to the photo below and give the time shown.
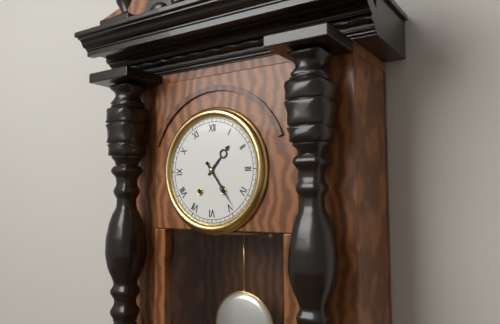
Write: 1:24
